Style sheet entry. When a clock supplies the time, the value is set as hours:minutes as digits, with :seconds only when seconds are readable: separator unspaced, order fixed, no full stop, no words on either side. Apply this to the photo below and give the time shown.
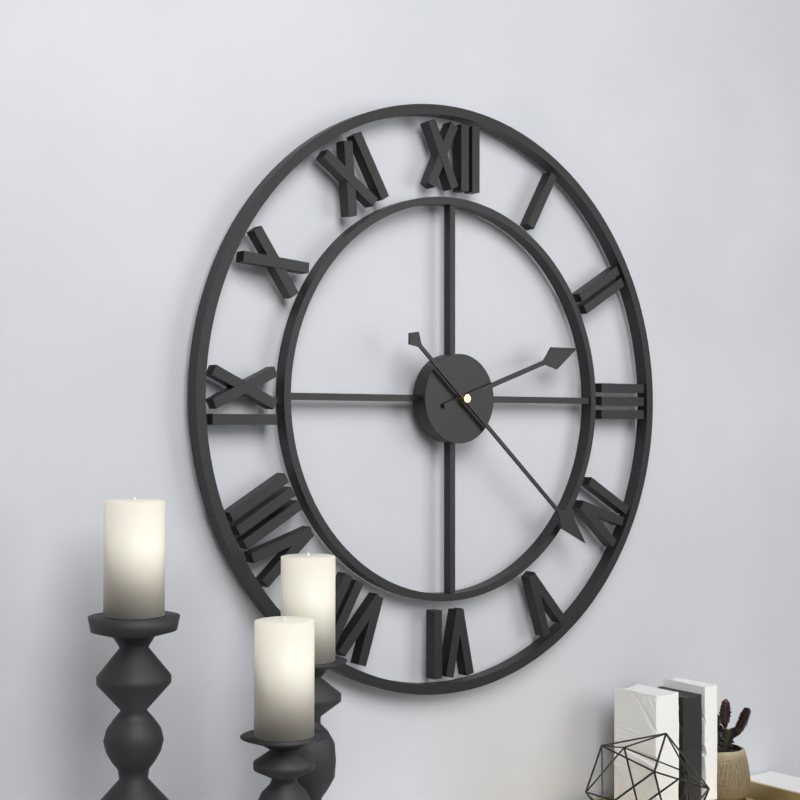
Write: 2:22
